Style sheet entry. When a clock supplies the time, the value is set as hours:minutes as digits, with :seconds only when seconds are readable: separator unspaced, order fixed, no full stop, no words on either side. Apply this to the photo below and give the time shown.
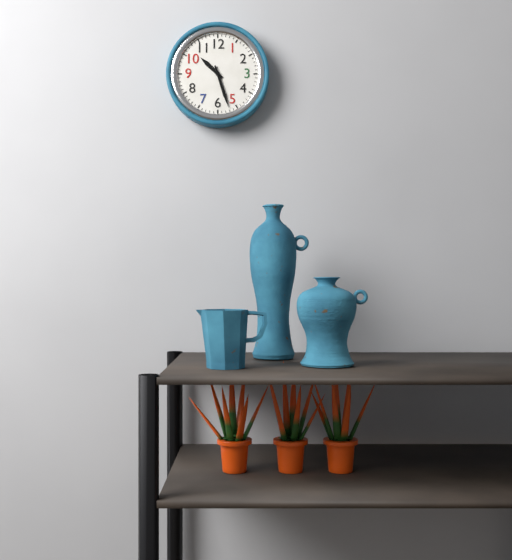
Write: 10:27
